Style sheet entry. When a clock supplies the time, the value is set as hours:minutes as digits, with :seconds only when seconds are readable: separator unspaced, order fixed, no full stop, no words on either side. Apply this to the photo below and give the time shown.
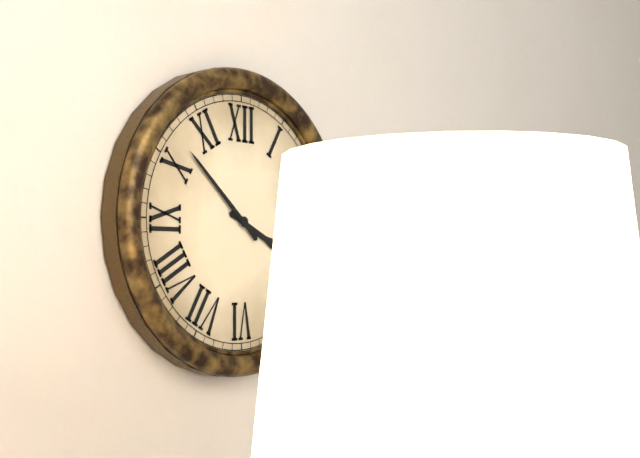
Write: 3:52
